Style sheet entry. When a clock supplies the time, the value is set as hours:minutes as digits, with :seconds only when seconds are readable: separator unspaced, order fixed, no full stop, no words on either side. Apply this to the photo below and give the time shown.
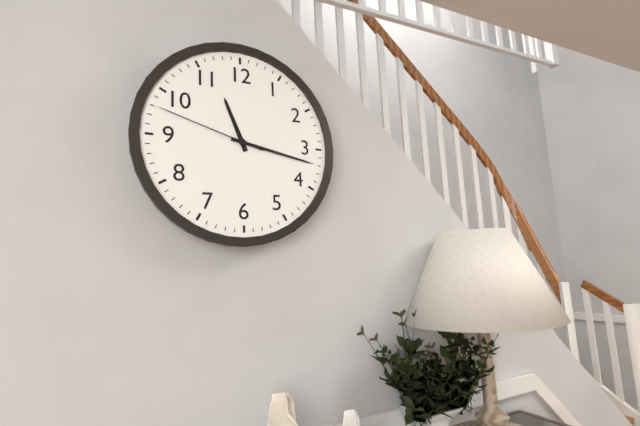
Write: 11:17:48
